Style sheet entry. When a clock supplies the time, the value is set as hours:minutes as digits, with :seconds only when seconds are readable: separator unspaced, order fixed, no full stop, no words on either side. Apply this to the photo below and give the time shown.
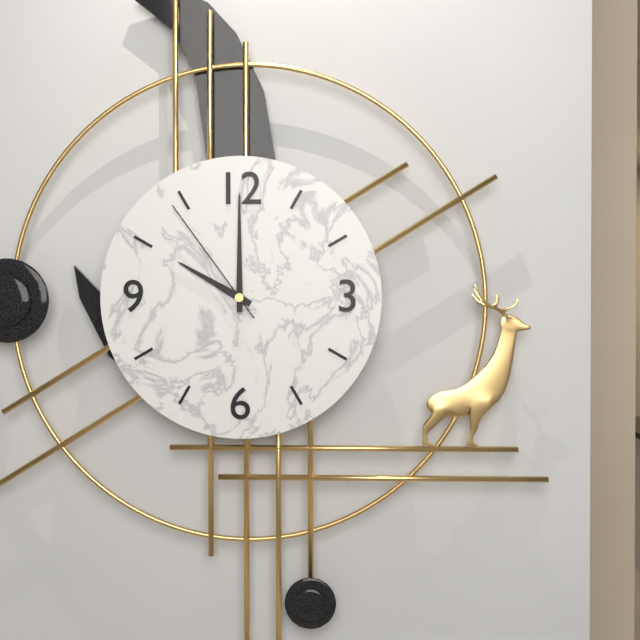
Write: 10:00:54
